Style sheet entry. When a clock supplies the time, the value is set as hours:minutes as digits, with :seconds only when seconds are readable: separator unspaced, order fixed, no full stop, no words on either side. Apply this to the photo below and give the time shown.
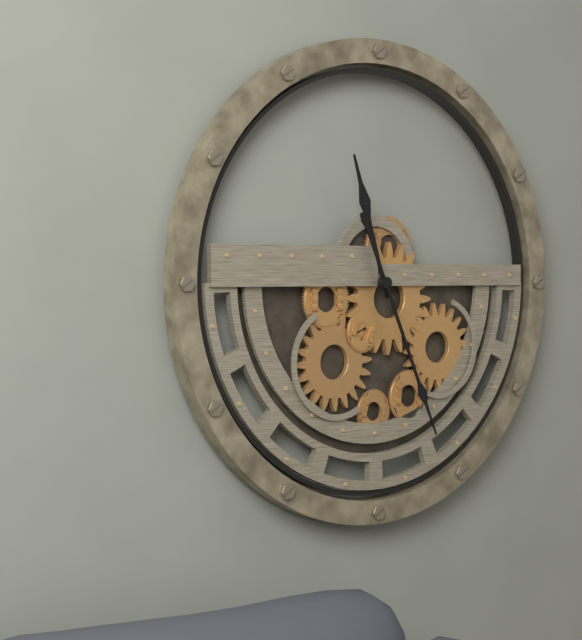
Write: 11:26
